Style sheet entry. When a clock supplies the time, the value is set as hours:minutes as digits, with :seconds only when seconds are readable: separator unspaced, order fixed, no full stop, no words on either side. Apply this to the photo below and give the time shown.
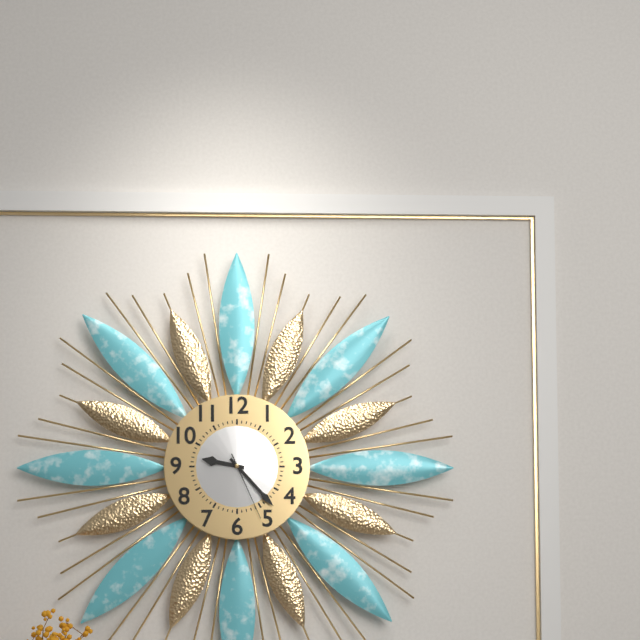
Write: 9:23:26
